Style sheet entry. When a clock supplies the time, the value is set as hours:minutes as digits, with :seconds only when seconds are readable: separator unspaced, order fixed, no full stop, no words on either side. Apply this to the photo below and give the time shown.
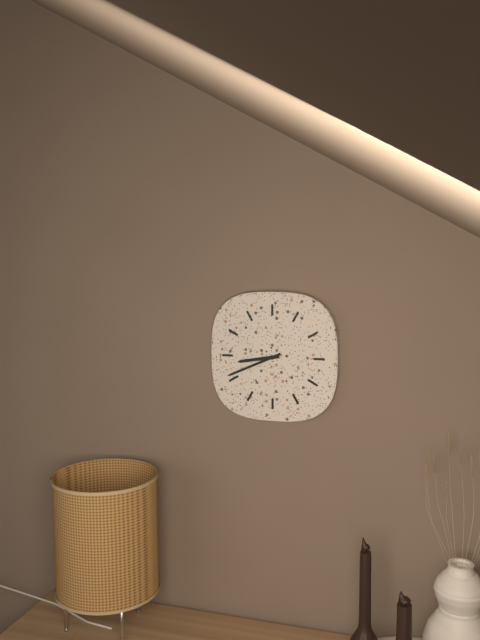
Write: 8:41
